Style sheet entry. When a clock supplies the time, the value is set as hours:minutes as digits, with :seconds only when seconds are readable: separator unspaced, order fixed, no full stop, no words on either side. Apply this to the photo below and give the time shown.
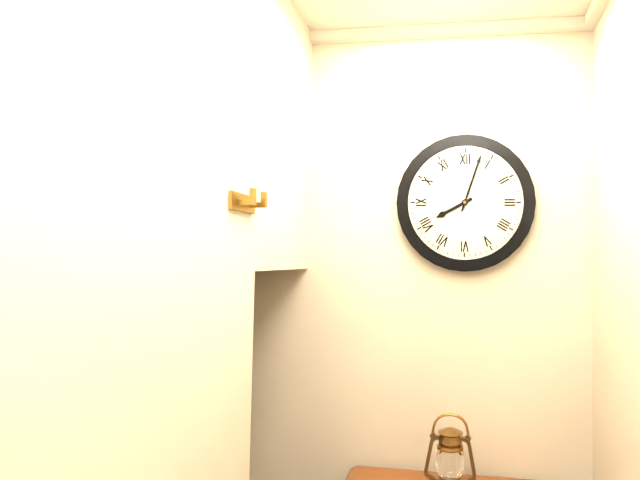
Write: 8:03
